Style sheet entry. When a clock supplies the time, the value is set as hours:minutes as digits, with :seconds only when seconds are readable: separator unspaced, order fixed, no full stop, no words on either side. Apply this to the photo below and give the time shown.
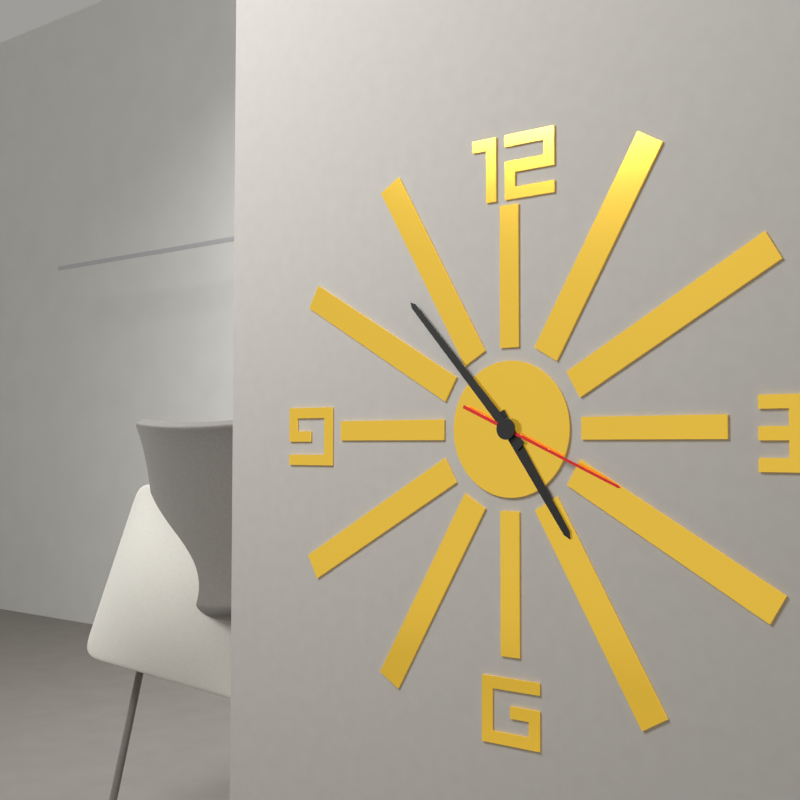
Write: 4:53:19
